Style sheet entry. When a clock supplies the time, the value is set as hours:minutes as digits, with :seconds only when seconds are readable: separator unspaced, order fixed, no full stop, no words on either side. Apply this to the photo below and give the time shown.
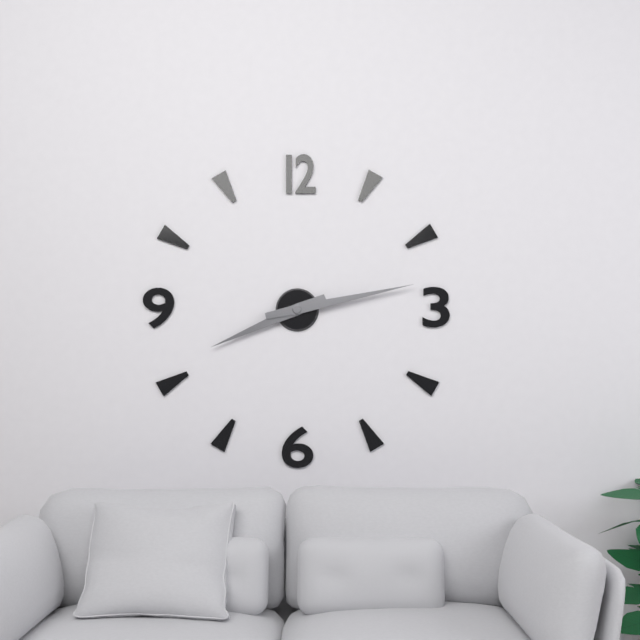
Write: 8:13
